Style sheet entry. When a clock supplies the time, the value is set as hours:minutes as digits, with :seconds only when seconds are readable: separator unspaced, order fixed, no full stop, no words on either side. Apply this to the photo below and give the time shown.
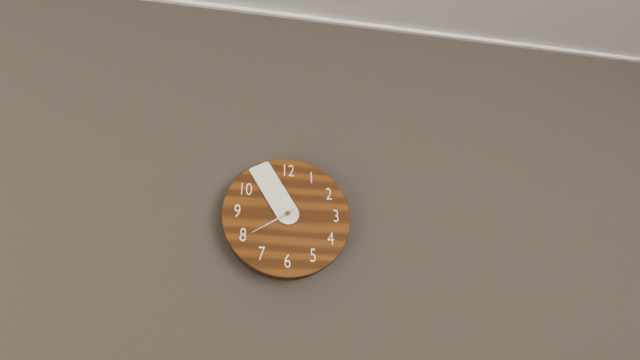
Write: 7:55
